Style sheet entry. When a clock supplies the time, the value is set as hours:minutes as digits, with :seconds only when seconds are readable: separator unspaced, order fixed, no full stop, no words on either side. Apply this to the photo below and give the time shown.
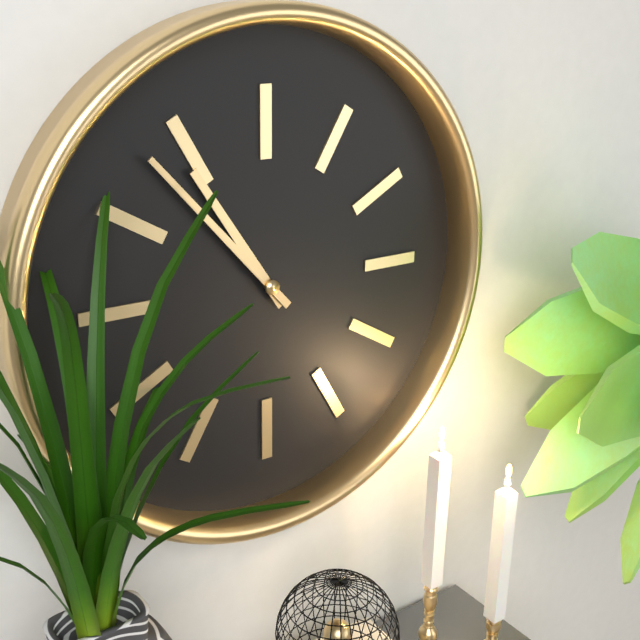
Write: 10:53
